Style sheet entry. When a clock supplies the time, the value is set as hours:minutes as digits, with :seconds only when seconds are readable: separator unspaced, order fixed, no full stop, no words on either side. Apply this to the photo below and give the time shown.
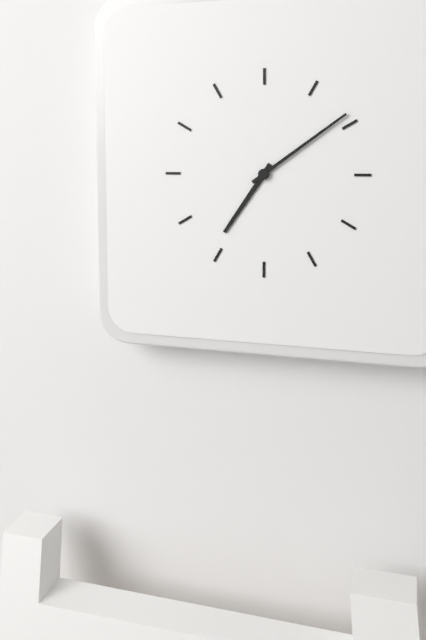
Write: 7:09
